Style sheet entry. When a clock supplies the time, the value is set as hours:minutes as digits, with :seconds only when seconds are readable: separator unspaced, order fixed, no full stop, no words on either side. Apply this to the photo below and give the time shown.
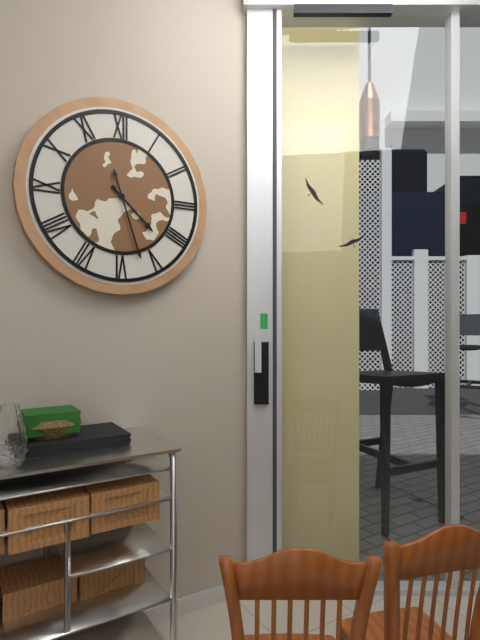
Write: 4:27
